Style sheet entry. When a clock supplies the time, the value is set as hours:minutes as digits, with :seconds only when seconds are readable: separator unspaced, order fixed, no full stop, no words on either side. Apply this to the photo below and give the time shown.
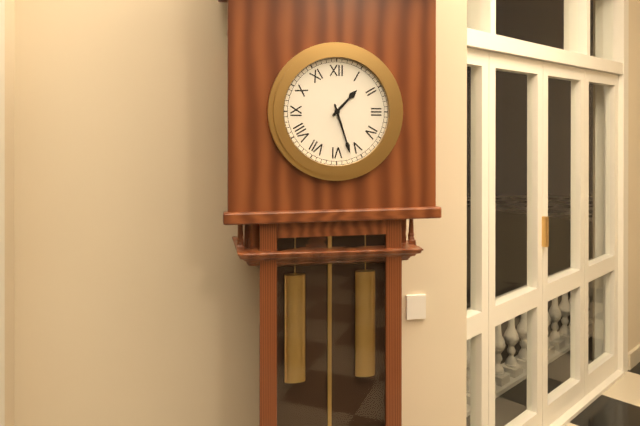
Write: 1:27
